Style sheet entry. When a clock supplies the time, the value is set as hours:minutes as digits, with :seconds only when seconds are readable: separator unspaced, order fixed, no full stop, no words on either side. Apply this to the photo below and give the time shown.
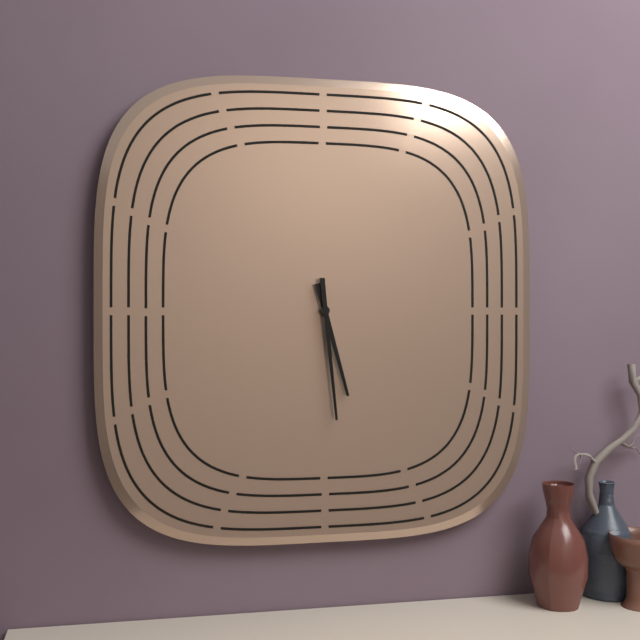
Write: 5:29
